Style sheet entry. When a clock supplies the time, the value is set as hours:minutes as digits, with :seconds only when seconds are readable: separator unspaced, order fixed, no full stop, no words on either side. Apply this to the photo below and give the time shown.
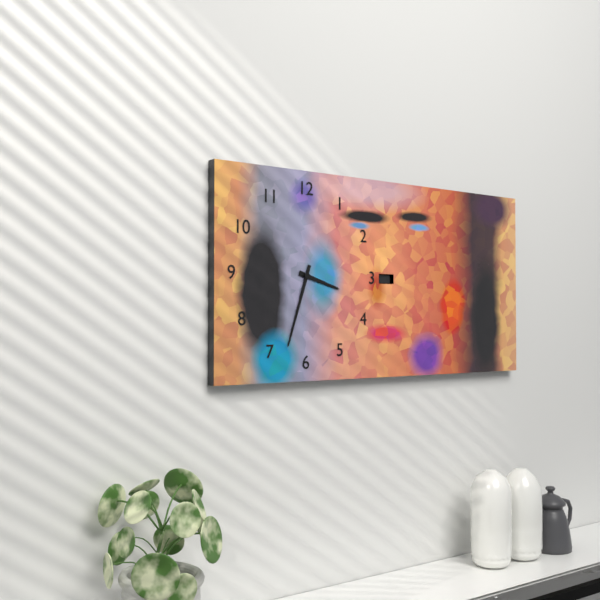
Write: 3:33
